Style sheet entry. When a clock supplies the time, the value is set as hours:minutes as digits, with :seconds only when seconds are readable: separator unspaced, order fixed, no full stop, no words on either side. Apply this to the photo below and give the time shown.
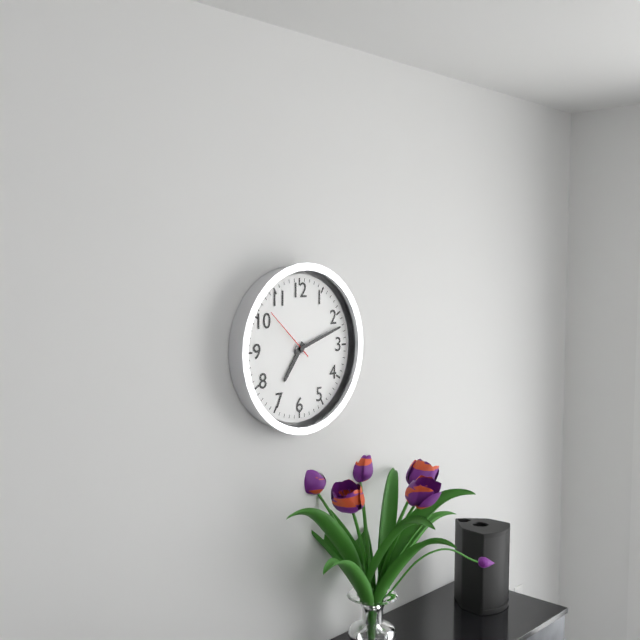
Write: 7:12:52
